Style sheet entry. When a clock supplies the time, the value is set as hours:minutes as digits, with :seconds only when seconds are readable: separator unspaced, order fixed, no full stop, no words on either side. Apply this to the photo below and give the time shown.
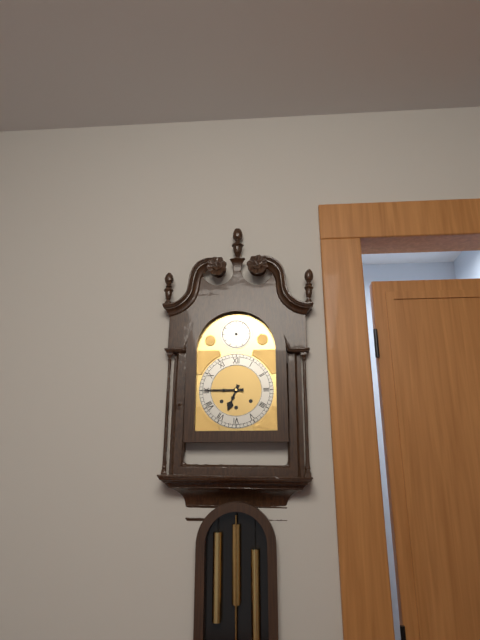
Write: 6:45
